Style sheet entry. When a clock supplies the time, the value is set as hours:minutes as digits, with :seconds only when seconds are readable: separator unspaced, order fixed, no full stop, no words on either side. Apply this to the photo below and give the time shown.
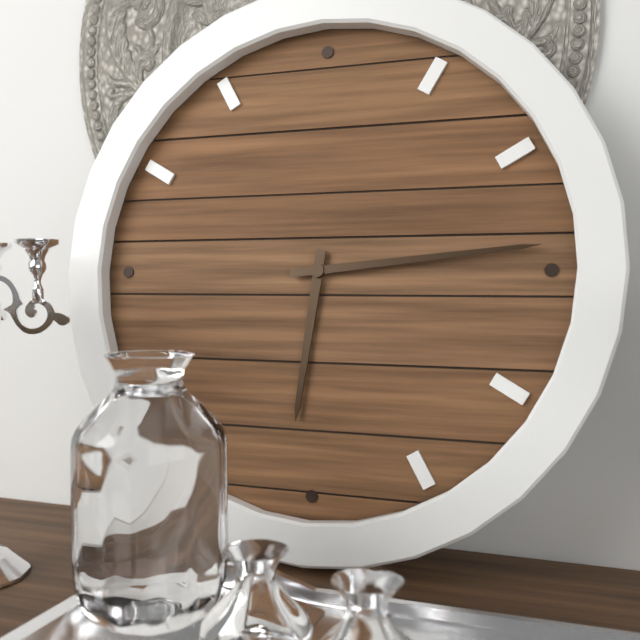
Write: 6:14
